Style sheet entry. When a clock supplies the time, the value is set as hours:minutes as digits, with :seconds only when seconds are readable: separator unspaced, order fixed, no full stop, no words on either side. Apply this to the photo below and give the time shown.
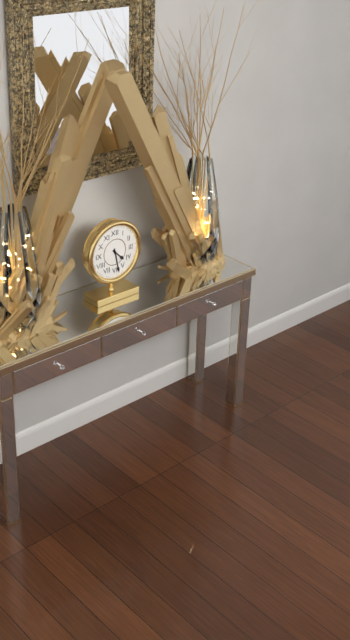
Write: 4:28
